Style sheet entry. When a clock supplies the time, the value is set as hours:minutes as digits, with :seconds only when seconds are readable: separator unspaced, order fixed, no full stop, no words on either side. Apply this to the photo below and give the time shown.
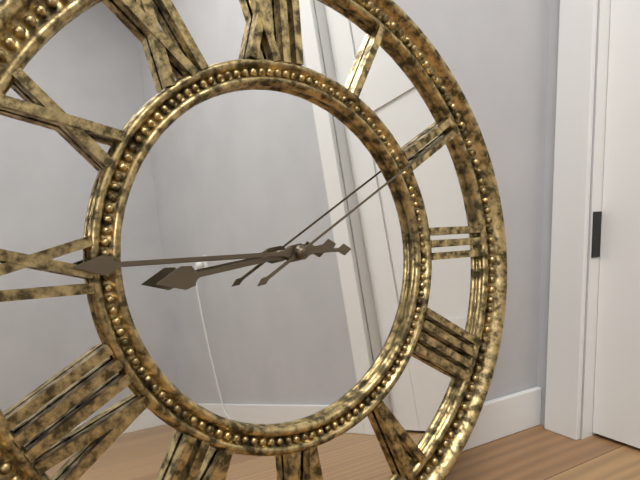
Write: 8:45:10
